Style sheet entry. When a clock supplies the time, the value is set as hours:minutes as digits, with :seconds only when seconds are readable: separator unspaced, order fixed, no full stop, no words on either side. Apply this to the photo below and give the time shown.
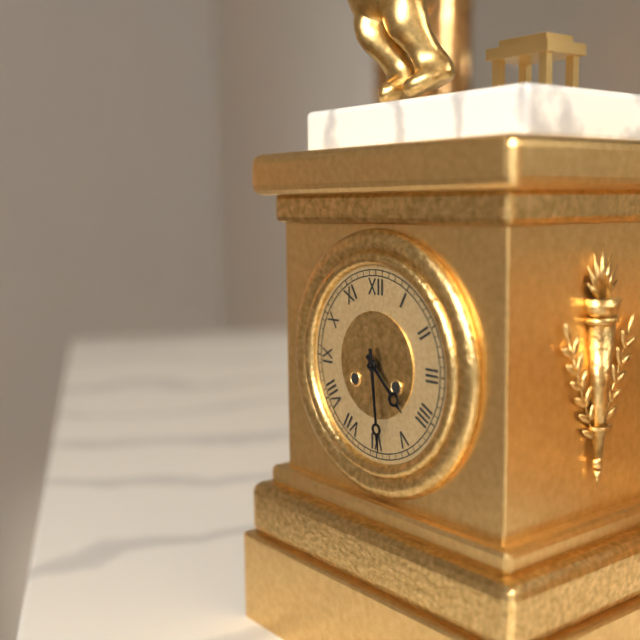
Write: 4:29
